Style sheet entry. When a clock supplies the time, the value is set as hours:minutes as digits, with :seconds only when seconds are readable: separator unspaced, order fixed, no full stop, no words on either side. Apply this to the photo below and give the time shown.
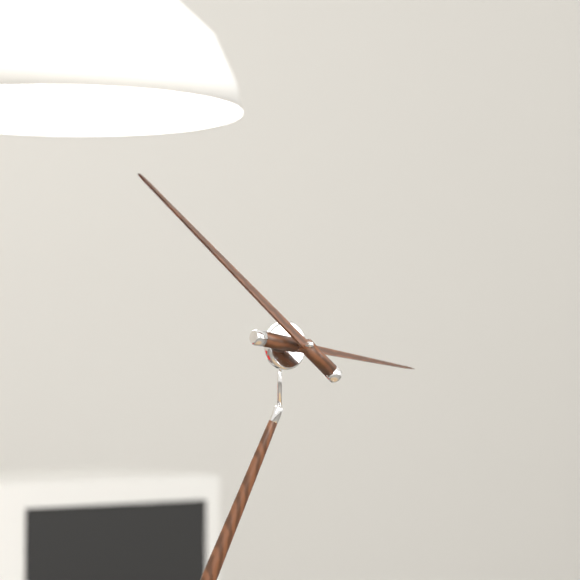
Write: 2:49
